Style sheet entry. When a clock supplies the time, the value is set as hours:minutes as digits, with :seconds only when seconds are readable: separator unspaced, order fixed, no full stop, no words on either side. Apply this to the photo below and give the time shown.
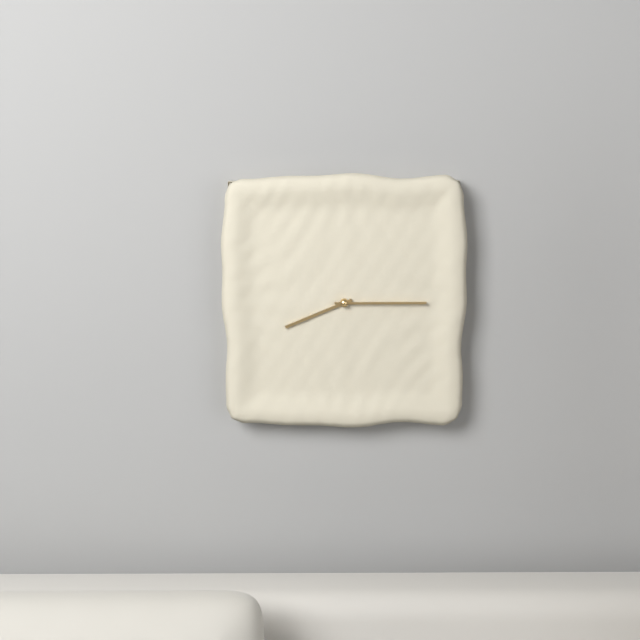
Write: 8:15
